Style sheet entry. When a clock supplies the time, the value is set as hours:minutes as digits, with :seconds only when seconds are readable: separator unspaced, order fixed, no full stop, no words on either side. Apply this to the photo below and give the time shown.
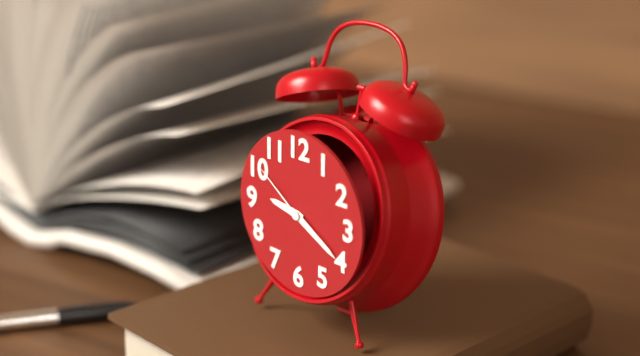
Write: 9:20:51
